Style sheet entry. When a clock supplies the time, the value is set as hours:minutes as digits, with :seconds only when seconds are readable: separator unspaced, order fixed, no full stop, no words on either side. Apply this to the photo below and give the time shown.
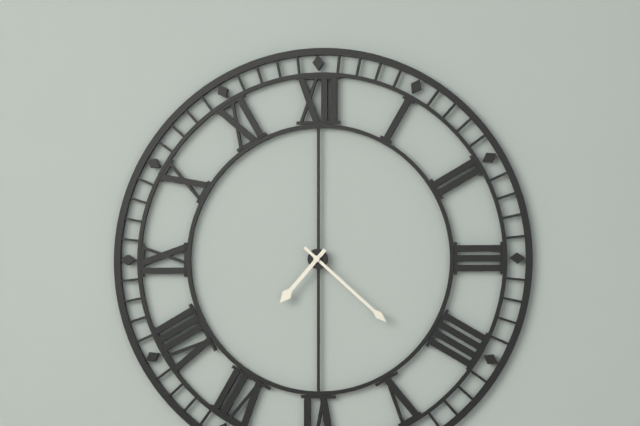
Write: 7:22
